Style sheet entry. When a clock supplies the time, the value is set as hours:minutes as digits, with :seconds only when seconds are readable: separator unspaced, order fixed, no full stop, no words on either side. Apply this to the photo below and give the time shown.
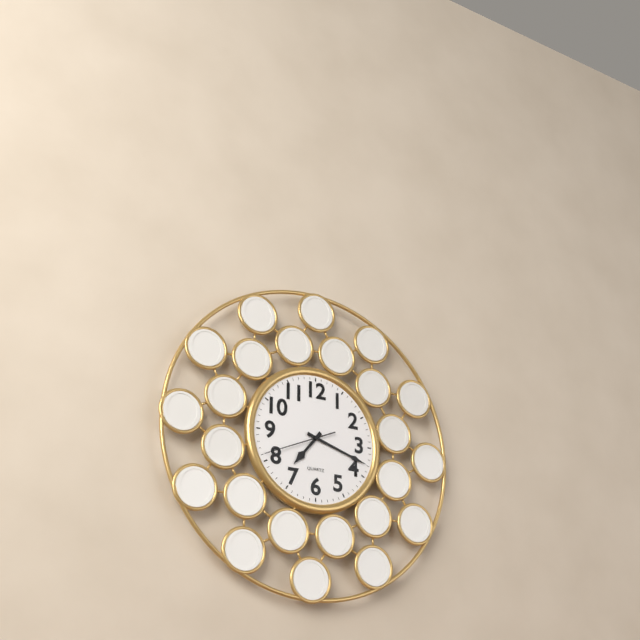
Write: 7:18:41
